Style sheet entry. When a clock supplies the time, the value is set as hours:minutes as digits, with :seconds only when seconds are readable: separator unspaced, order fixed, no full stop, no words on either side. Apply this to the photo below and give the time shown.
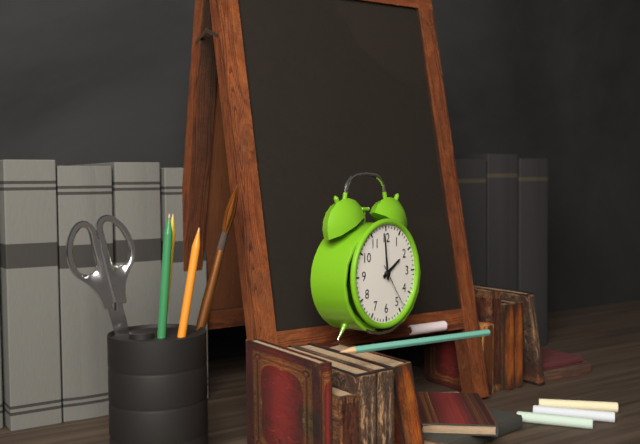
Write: 1:59
